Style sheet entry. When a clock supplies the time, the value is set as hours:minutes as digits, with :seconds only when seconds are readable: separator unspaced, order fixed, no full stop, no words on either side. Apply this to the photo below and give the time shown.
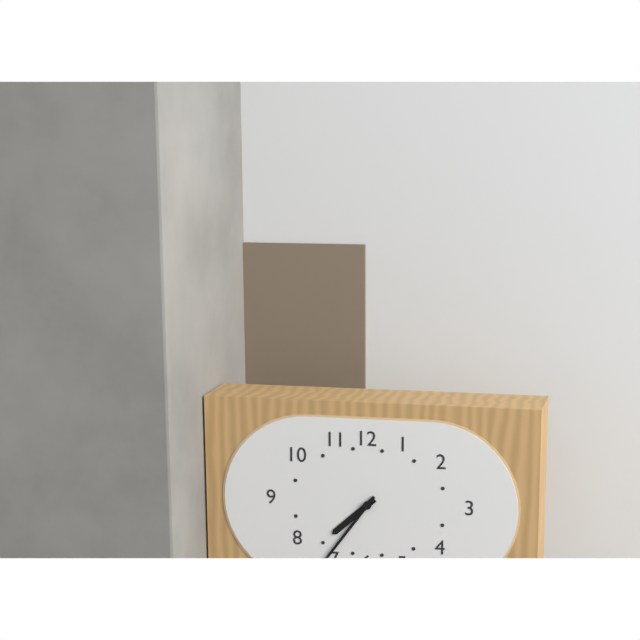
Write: 7:36
